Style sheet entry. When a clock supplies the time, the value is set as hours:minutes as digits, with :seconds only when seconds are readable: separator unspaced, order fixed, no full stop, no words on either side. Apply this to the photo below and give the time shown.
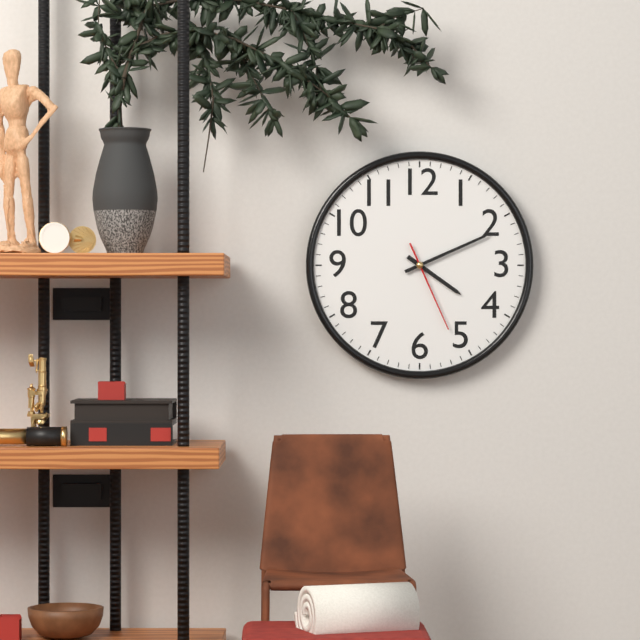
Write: 4:11:26
